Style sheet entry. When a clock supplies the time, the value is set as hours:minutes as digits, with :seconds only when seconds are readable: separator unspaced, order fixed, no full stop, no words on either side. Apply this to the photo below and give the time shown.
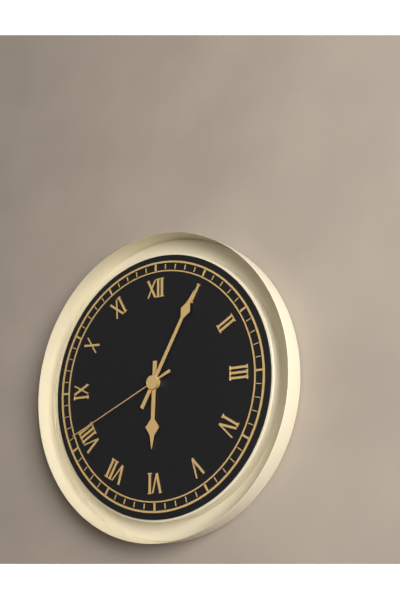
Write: 6:05:41
